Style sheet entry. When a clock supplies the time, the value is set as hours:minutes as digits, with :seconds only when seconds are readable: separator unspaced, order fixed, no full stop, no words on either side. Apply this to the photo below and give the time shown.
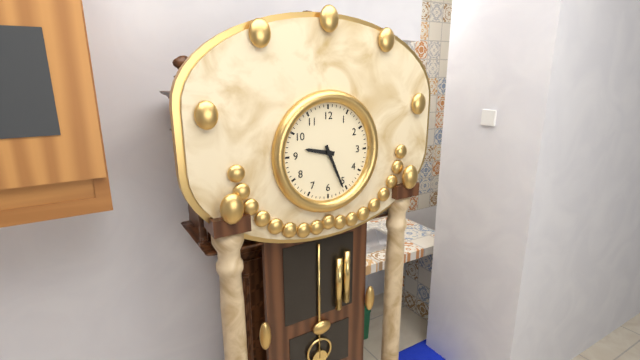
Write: 9:26
